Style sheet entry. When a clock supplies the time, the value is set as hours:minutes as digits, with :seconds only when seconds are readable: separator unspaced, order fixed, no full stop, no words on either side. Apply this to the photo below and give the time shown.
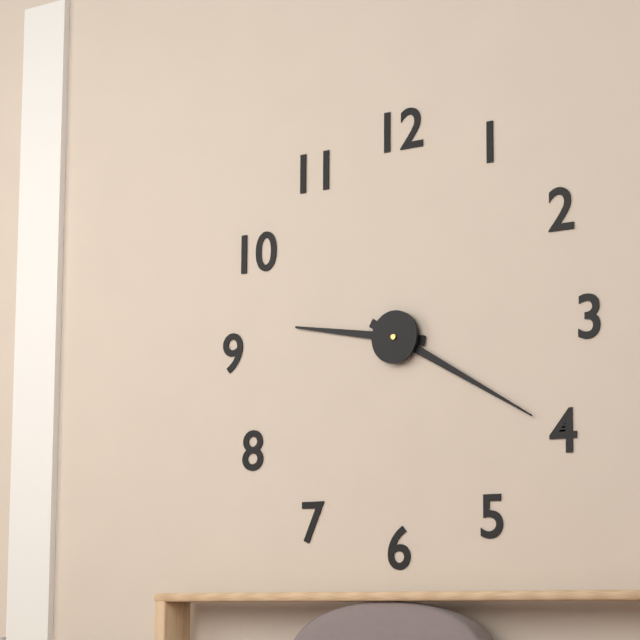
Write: 9:20
